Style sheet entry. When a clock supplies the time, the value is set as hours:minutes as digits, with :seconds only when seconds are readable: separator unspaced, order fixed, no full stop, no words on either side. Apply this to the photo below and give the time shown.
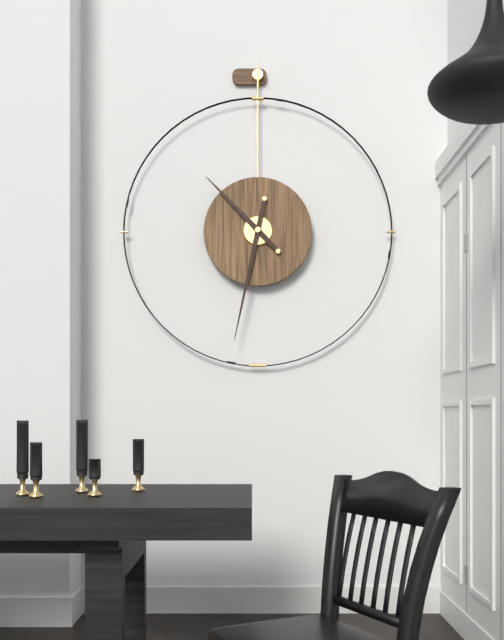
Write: 10:32
